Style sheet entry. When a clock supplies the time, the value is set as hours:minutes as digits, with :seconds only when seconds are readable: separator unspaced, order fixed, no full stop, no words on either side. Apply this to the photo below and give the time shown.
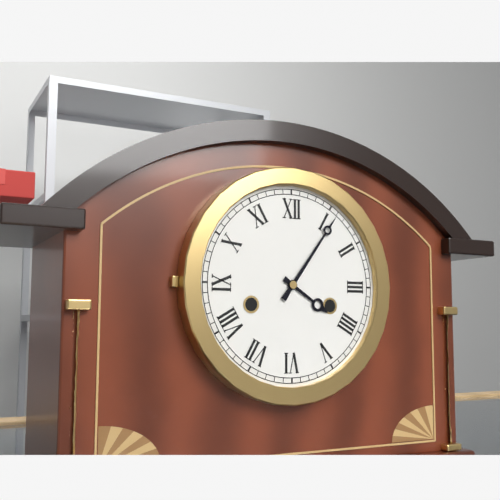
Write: 4:06
